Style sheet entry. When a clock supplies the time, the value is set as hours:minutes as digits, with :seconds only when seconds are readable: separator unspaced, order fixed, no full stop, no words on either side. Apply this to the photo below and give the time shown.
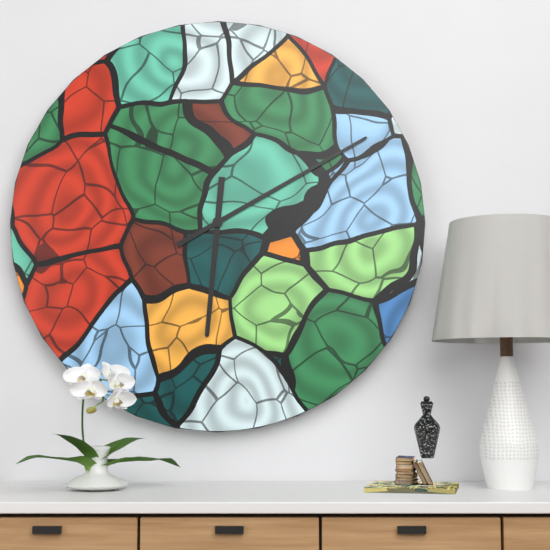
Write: 6:10
